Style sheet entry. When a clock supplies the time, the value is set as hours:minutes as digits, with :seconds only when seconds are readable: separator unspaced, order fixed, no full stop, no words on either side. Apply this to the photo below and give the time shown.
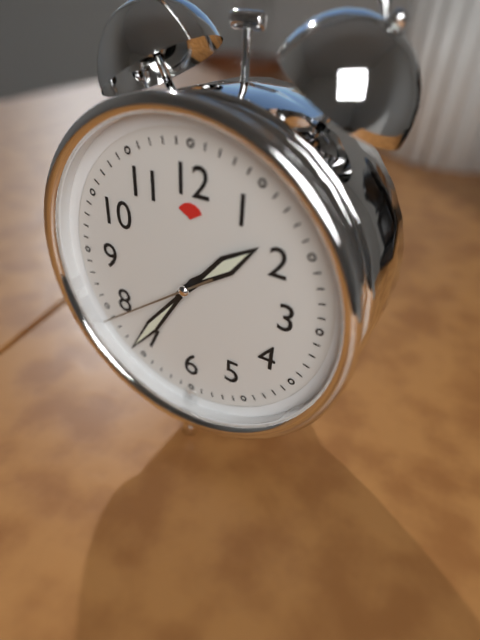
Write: 1:36:39
